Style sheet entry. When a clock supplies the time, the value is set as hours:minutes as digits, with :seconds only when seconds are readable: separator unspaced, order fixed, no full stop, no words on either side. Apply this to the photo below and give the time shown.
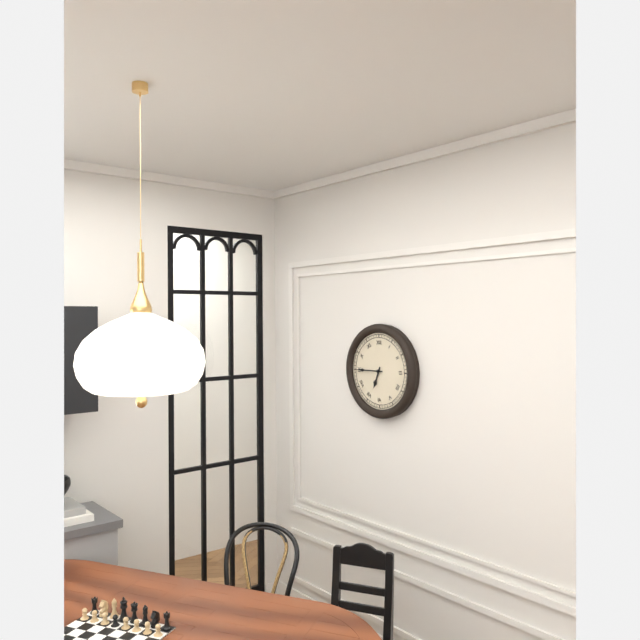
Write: 6:45
